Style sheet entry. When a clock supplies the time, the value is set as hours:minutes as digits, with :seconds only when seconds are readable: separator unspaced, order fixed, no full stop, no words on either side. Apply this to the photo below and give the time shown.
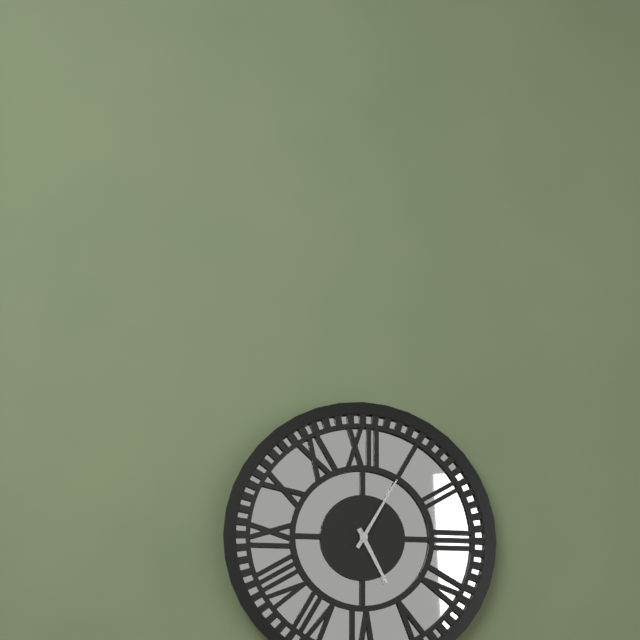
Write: 5:05
